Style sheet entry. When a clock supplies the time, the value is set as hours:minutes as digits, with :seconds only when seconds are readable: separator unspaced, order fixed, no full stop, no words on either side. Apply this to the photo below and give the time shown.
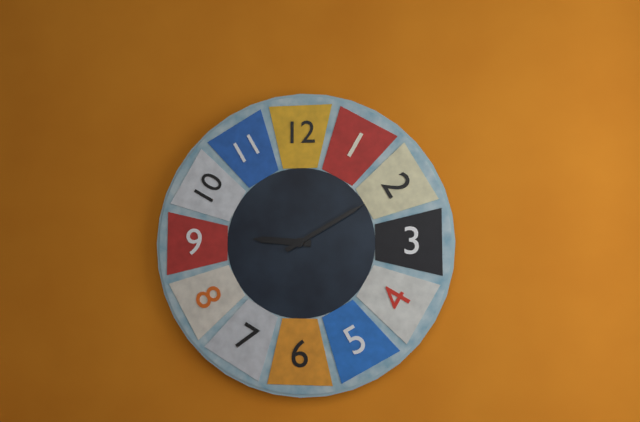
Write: 9:10
